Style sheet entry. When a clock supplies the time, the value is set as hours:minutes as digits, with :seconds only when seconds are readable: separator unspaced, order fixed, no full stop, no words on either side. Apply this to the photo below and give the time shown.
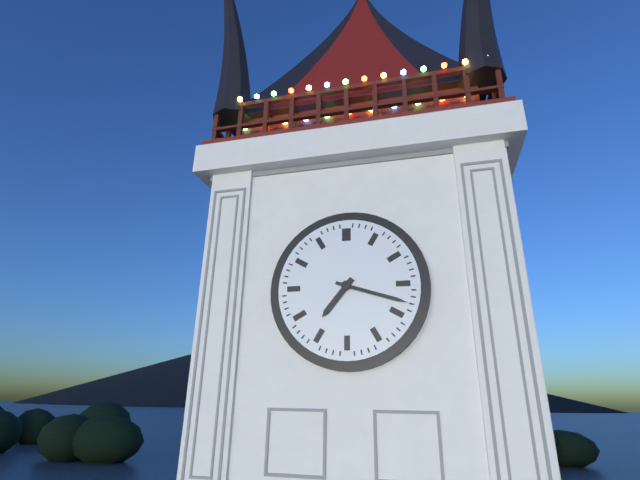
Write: 7:18
